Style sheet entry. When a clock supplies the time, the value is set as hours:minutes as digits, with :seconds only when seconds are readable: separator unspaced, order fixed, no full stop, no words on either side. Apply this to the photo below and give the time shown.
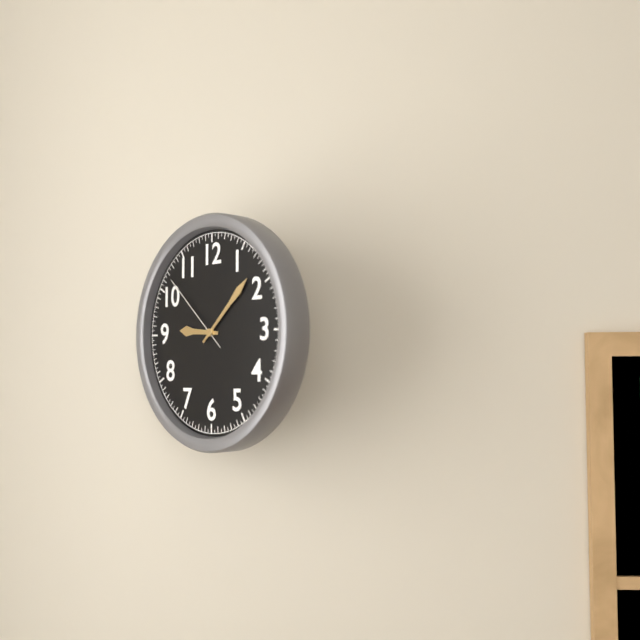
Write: 9:08:52
